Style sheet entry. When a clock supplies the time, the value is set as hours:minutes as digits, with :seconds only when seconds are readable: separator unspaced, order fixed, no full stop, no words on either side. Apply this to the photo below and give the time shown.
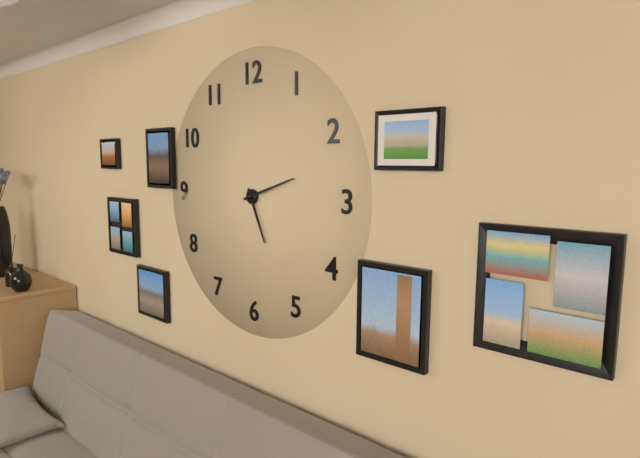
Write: 5:12
